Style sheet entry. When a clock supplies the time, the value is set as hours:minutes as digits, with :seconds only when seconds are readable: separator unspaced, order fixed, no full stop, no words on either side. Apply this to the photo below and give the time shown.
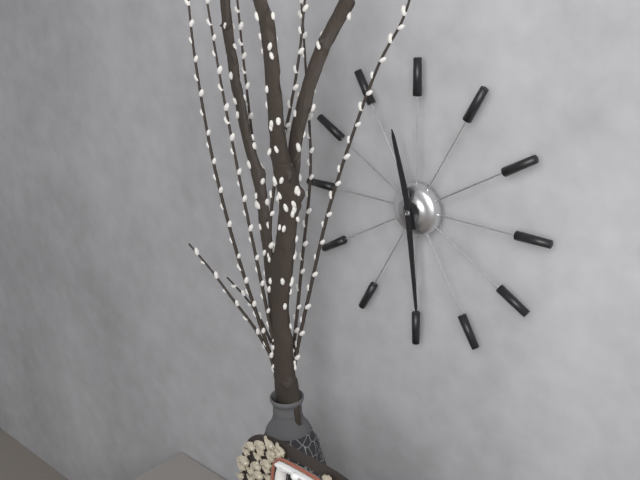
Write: 11:29
